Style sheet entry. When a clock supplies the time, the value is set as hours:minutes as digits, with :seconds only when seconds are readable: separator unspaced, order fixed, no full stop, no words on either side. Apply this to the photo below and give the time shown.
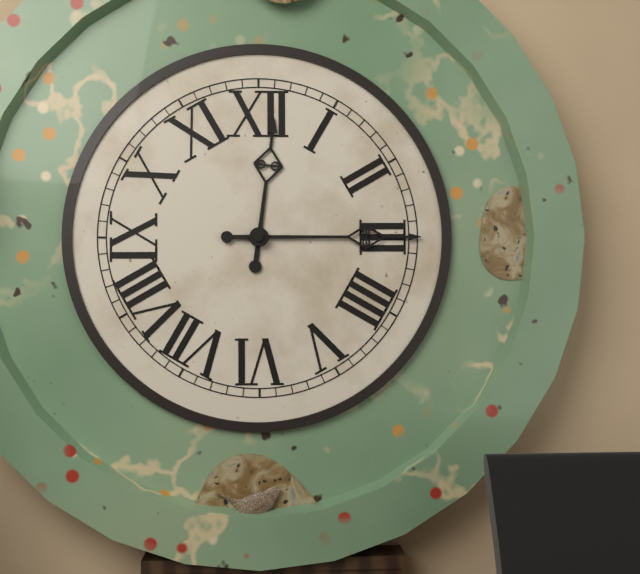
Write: 12:15
